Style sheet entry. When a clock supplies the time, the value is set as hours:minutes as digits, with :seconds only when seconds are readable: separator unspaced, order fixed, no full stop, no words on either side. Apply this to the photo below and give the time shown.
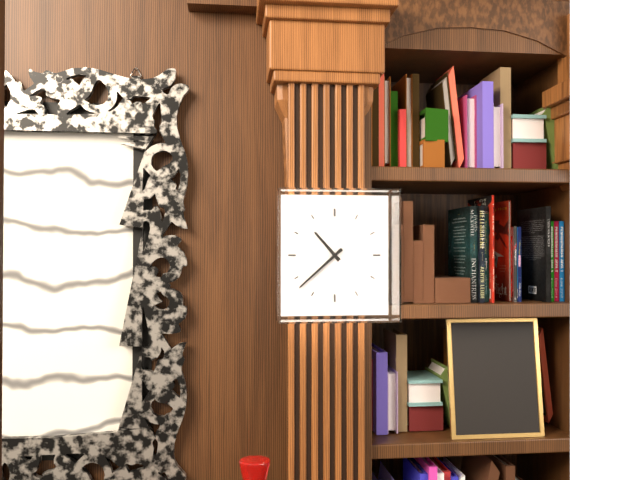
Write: 10:38
